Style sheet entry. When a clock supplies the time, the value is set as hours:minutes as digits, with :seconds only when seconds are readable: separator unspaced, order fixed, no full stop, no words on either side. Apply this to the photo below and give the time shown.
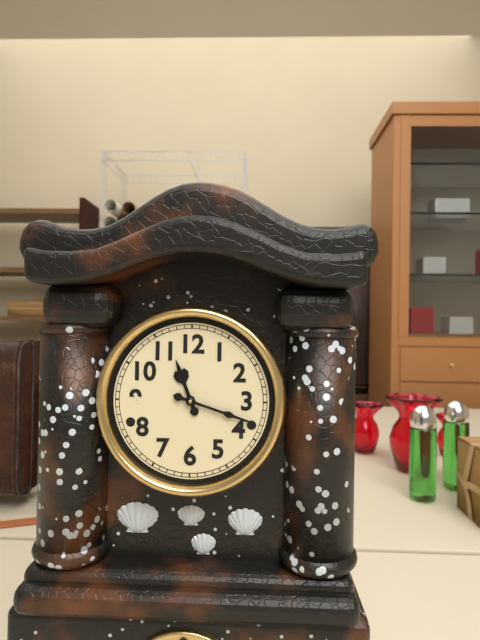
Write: 11:18
